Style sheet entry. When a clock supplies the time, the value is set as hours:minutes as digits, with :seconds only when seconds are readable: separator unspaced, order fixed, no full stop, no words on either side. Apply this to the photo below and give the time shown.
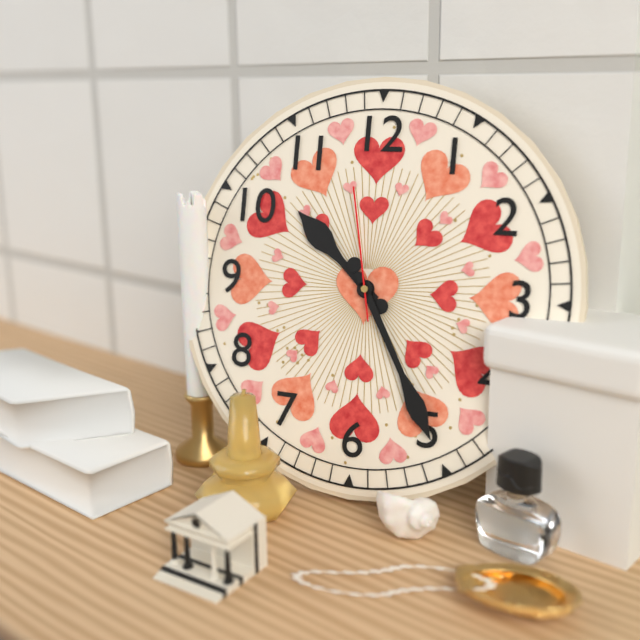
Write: 10:25:58
